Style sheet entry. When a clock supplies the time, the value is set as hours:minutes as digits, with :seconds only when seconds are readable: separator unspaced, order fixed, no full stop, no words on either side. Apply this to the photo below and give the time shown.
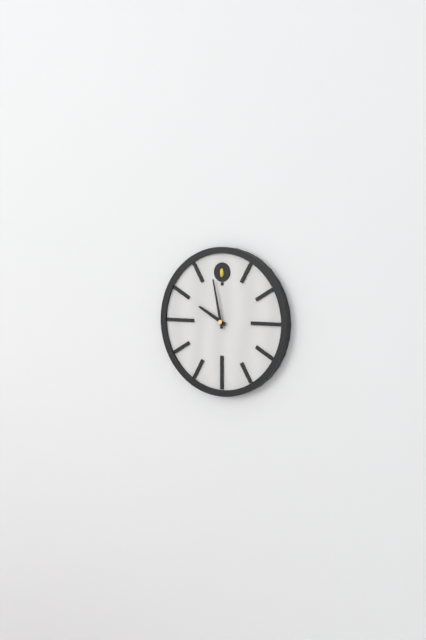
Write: 9:58
